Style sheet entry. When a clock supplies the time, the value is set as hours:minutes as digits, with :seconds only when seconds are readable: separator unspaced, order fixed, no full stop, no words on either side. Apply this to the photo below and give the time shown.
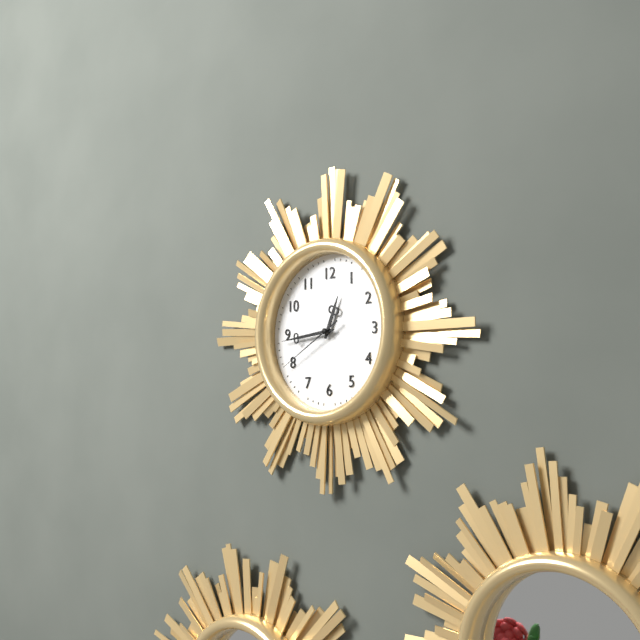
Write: 12:44:40
